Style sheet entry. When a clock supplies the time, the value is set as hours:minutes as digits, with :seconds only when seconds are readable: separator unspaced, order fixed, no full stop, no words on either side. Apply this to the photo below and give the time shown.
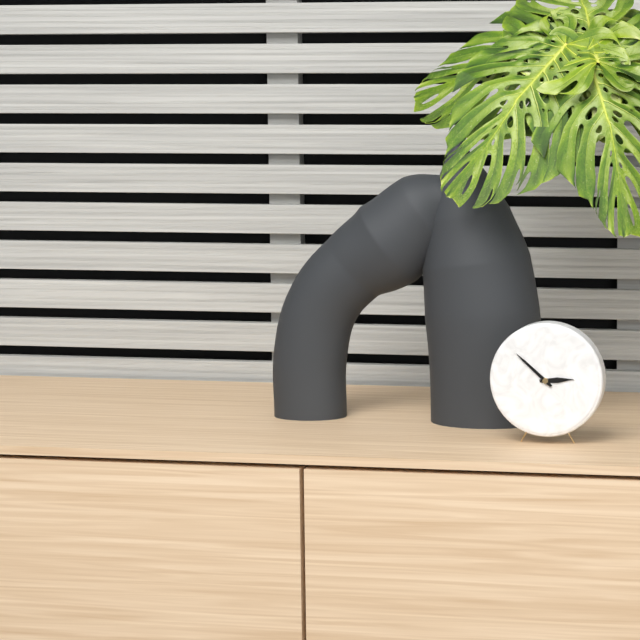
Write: 2:52
